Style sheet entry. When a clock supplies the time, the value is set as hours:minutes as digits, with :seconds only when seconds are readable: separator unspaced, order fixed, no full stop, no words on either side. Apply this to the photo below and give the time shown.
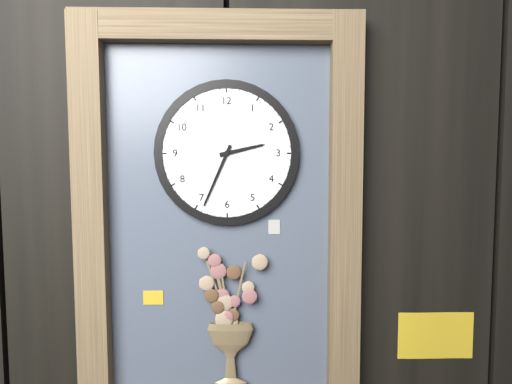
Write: 2:34
